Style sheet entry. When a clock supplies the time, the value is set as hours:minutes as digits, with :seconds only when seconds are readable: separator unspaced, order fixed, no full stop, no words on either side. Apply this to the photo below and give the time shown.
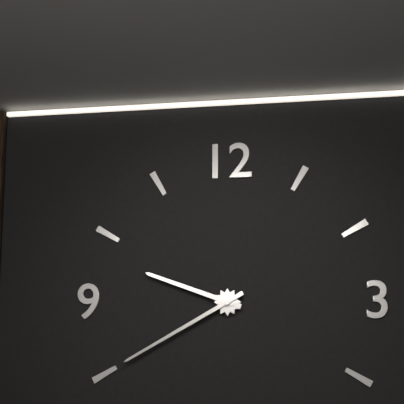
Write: 9:40
